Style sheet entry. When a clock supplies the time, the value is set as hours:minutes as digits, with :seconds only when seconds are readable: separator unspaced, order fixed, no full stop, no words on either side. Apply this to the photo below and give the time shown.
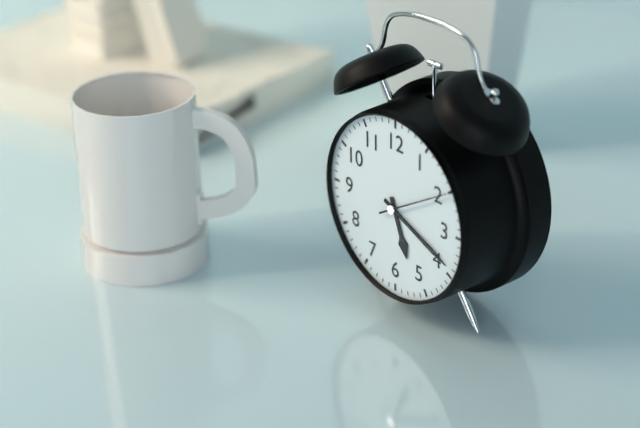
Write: 5:19:10
